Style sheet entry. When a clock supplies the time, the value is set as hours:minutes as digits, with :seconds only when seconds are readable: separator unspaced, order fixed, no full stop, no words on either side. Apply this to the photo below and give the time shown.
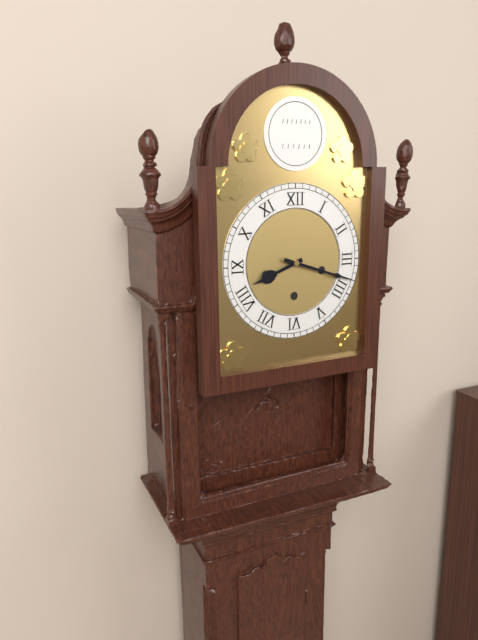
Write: 8:18
